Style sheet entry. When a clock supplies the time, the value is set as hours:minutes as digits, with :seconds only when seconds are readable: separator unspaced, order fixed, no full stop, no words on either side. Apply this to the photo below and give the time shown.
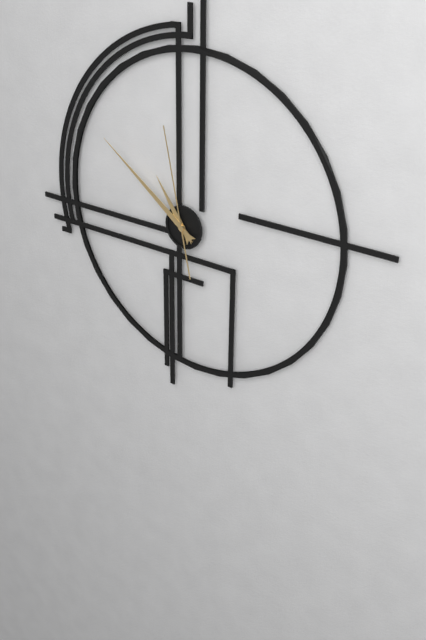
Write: 10:51:58
